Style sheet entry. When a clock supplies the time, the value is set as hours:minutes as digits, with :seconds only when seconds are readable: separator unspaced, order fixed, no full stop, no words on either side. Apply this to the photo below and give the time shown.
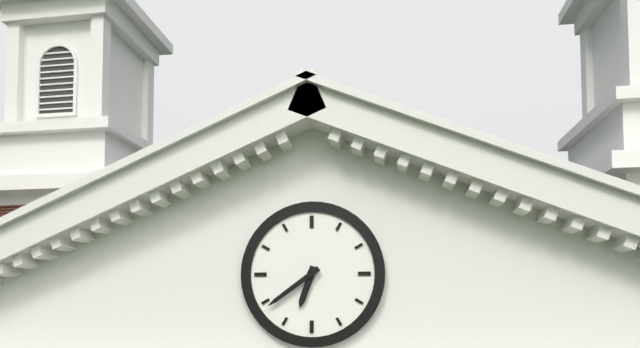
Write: 6:39
